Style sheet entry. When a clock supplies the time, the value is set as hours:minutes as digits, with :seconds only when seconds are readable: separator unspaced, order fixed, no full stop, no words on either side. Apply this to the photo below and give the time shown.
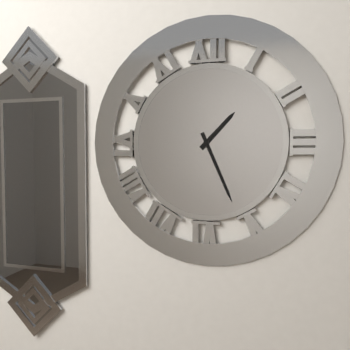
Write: 1:26
